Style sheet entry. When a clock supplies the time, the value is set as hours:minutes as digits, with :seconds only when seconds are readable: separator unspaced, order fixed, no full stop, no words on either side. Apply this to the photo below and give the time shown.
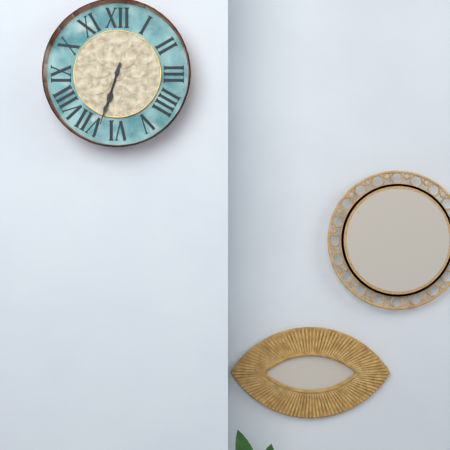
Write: 6:33
